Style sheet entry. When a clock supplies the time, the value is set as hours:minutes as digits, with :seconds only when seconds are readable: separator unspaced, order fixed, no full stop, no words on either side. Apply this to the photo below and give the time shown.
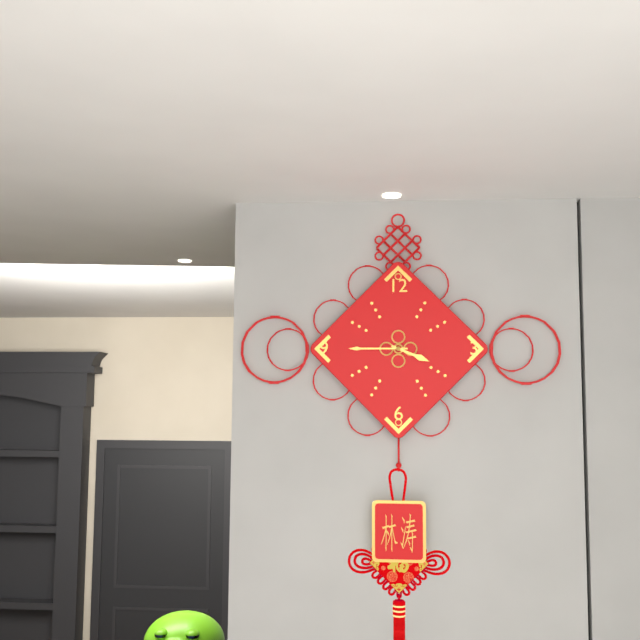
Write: 3:45
